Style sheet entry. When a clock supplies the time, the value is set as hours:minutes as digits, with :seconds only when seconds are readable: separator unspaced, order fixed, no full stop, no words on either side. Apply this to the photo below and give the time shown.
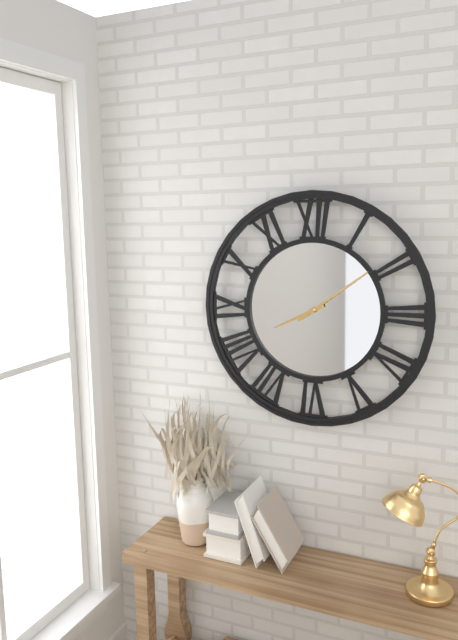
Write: 8:09
